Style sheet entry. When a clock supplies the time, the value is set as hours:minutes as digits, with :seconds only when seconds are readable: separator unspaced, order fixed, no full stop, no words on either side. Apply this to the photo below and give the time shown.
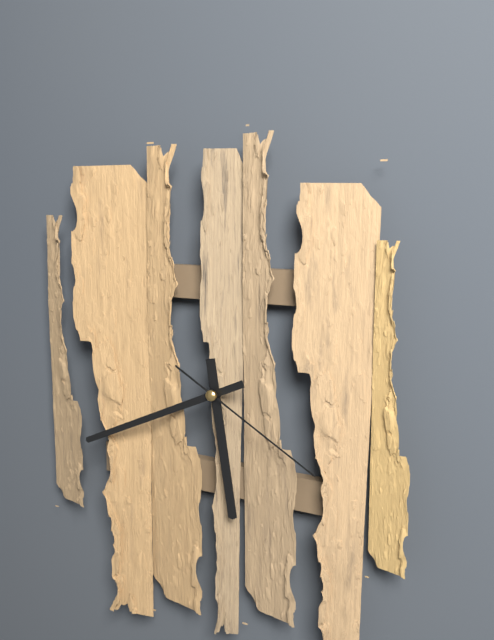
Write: 5:41:20
